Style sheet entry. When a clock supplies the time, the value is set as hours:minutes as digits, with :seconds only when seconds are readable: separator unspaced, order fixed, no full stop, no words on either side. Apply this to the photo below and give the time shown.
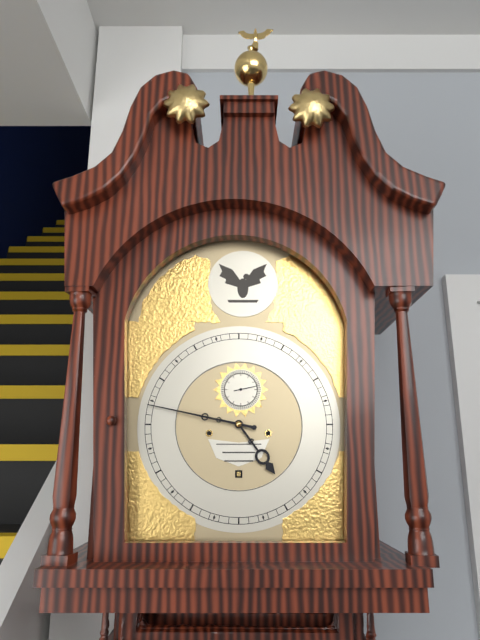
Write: 4:47
